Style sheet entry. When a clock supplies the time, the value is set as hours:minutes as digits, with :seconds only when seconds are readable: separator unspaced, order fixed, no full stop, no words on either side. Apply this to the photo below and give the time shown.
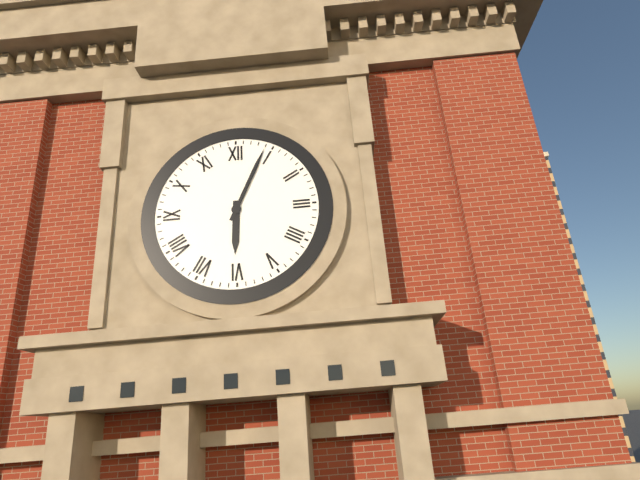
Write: 6:04
